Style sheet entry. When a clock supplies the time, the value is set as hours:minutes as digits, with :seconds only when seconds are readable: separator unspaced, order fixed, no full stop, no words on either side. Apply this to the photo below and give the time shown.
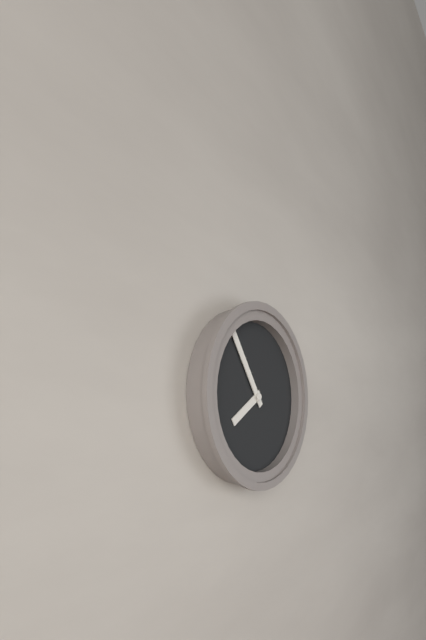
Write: 7:54
